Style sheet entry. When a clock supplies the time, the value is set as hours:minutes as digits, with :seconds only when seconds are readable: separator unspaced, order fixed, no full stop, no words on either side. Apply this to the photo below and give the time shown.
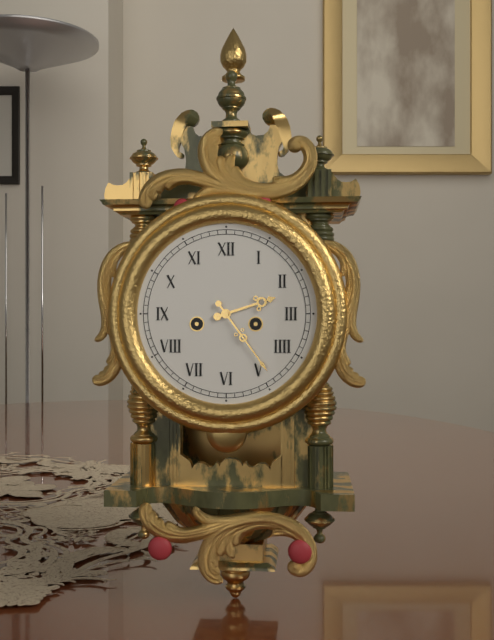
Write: 2:24
